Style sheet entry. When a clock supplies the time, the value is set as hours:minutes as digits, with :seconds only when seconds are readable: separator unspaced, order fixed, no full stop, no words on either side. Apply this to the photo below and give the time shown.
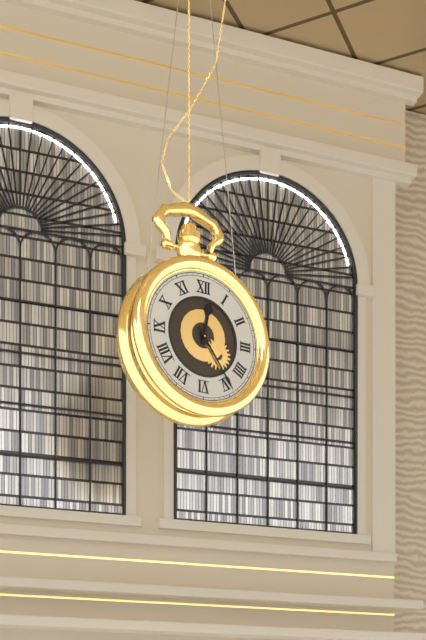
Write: 12:24
